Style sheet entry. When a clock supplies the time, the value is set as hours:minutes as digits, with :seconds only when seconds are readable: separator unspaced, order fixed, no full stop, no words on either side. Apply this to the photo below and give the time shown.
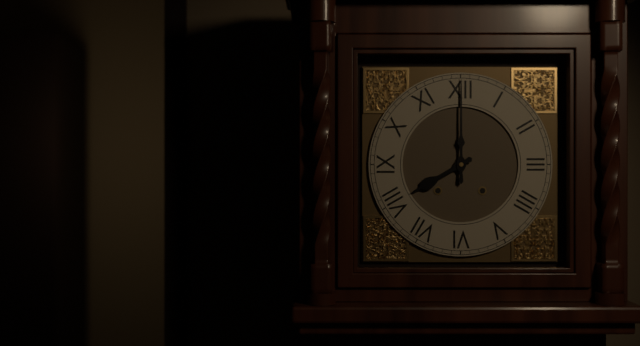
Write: 8:00
